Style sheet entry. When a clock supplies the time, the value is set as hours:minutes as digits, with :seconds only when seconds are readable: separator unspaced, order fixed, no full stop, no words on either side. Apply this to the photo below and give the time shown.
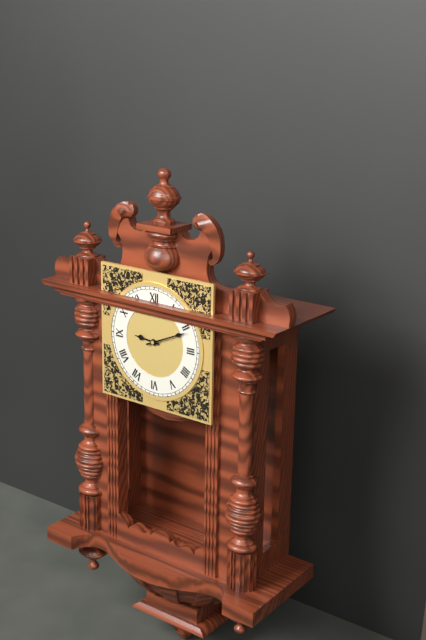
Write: 9:11
